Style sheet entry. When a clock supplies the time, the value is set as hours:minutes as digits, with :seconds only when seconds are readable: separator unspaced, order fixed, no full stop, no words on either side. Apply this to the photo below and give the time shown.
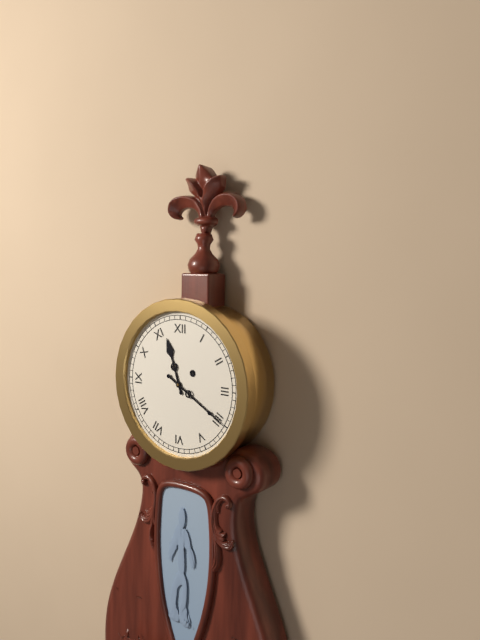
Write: 11:20
